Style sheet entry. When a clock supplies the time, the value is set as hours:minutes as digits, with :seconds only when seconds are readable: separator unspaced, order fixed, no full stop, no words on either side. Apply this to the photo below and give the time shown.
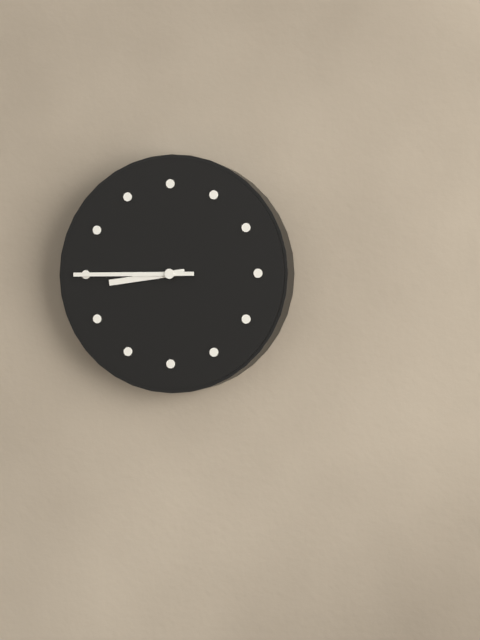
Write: 8:45
